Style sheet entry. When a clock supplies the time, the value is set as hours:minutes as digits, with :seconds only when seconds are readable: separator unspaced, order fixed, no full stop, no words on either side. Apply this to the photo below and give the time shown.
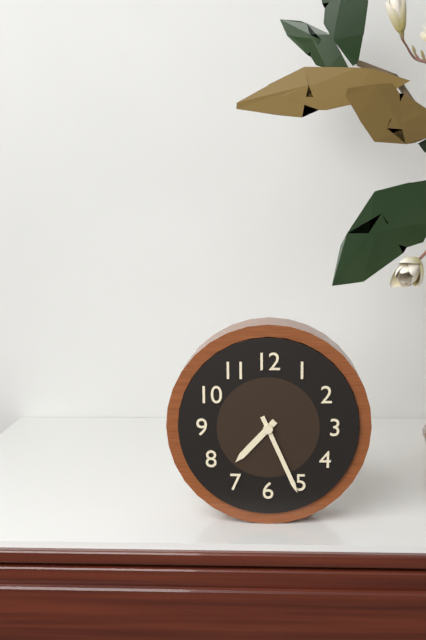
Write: 7:26
